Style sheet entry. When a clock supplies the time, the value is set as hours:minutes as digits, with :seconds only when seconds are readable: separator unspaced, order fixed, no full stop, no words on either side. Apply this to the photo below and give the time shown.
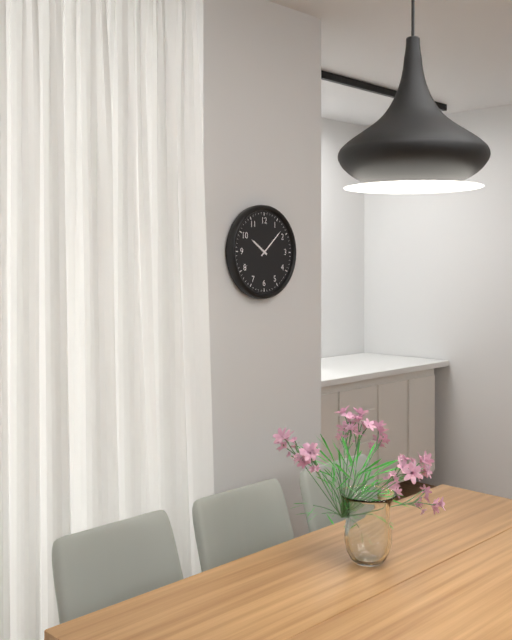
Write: 10:08
